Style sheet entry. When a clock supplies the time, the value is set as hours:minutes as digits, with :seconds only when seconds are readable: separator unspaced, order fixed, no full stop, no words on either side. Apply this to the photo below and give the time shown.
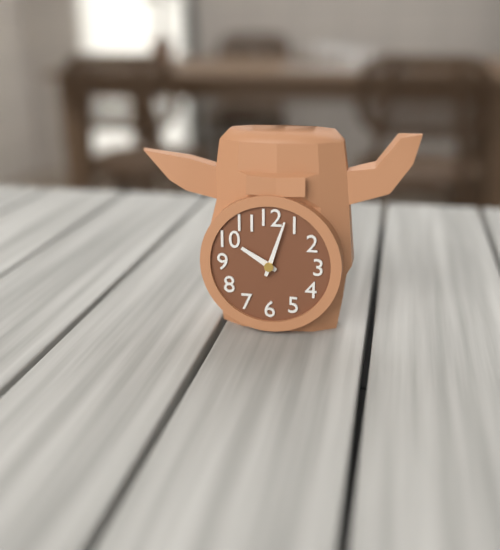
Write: 10:03
